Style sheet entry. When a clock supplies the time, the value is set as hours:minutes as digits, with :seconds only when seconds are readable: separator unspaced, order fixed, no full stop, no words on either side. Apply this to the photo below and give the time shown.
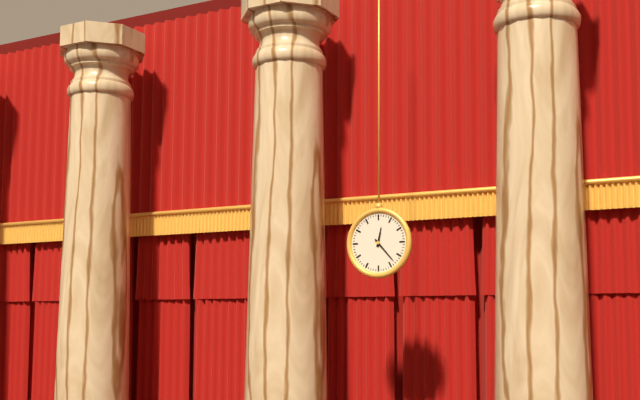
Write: 12:23
